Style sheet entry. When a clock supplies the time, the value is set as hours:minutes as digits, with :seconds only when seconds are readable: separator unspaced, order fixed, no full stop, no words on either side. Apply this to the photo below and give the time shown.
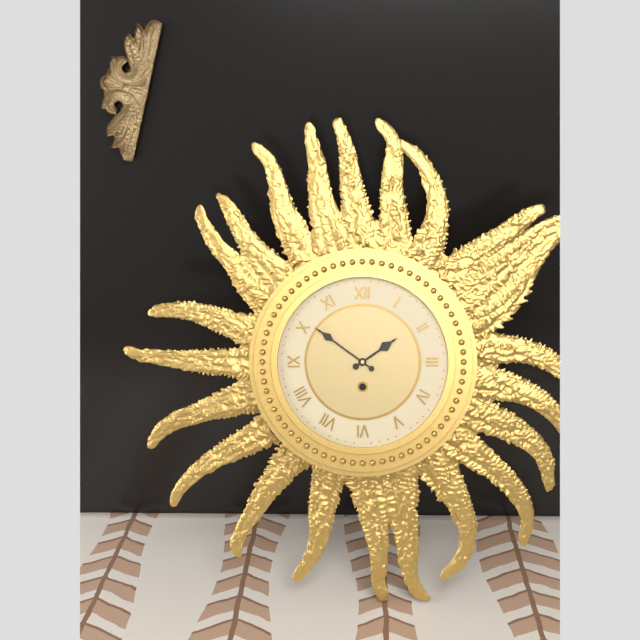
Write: 1:51
